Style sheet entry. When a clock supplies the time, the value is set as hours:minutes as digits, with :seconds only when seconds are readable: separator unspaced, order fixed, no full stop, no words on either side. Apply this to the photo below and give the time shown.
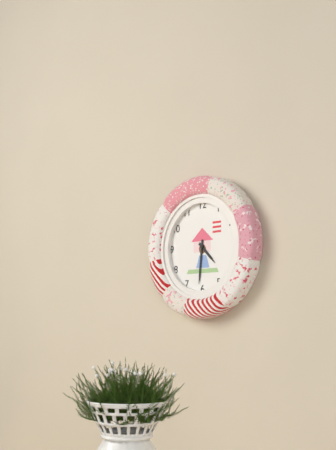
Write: 4:31
